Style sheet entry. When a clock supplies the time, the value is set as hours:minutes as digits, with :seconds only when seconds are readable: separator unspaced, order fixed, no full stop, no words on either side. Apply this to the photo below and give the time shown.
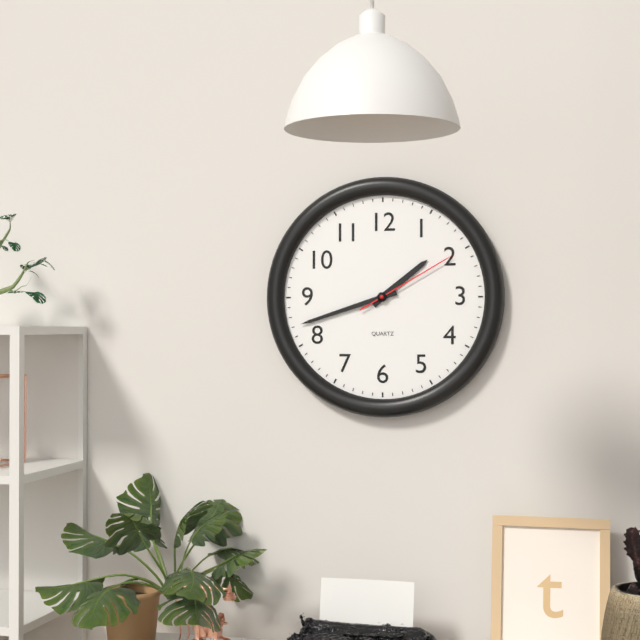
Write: 1:42:10
